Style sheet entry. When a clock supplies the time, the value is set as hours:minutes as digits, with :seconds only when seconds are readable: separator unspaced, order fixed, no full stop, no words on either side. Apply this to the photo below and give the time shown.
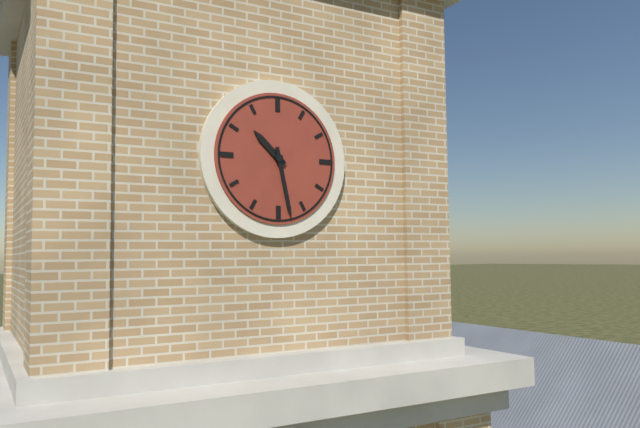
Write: 10:28
